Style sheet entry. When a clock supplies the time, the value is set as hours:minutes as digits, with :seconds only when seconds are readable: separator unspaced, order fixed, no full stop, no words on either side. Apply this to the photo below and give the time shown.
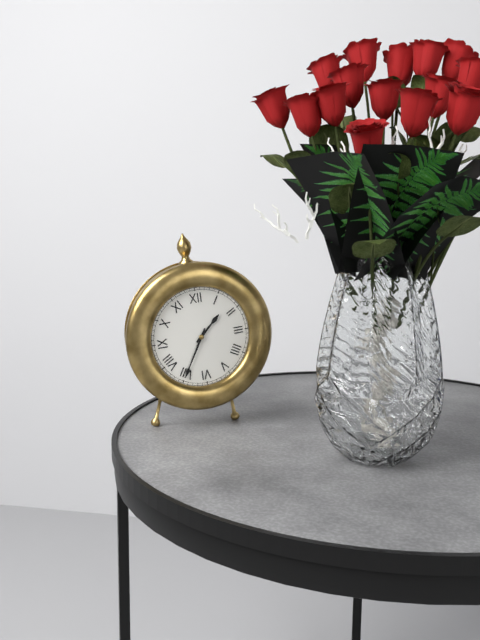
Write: 1:35
